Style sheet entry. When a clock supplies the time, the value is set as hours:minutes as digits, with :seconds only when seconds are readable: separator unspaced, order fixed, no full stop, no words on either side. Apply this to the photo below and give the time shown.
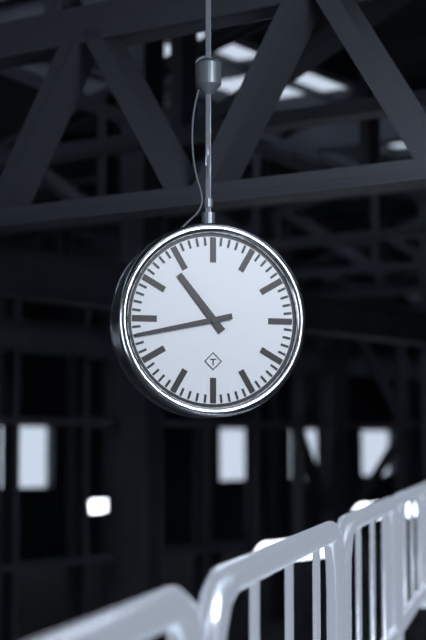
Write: 10:43
